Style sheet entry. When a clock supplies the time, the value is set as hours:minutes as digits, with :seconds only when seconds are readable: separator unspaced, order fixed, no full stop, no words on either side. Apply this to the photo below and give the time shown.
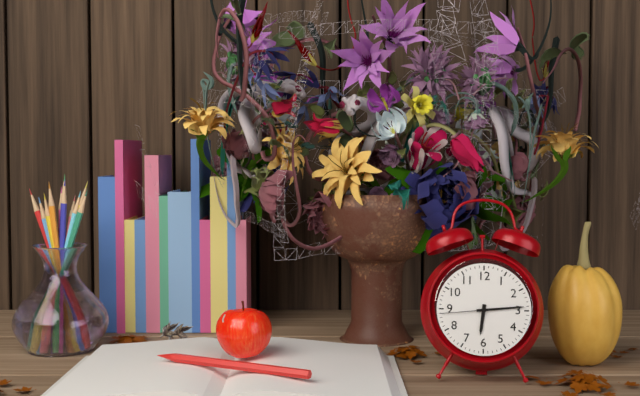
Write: 6:14:44
